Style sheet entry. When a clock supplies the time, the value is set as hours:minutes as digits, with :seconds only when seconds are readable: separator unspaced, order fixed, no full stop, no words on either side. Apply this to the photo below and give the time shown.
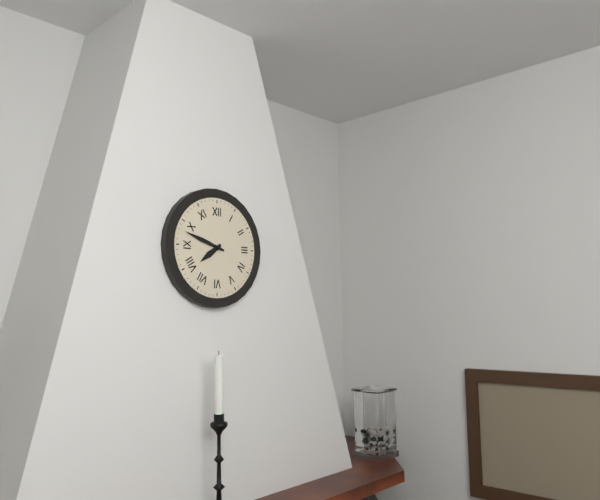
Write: 7:48
